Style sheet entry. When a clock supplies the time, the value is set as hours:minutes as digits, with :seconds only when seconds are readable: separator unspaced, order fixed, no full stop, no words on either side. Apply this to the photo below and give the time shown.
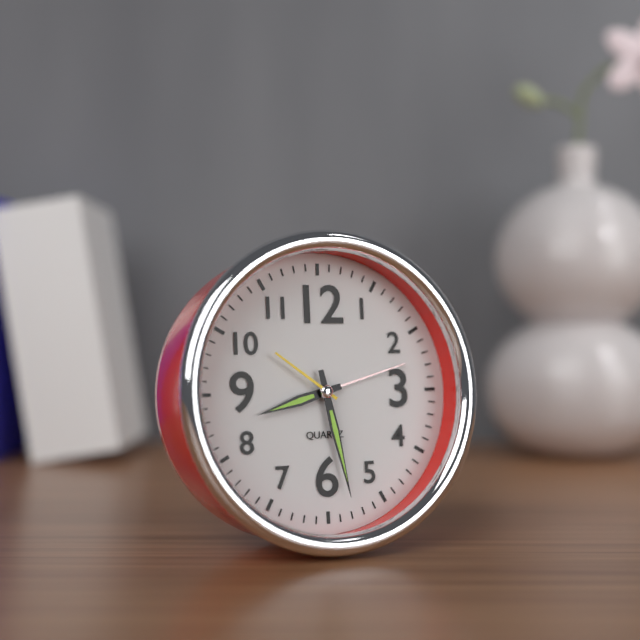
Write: 8:28:51
